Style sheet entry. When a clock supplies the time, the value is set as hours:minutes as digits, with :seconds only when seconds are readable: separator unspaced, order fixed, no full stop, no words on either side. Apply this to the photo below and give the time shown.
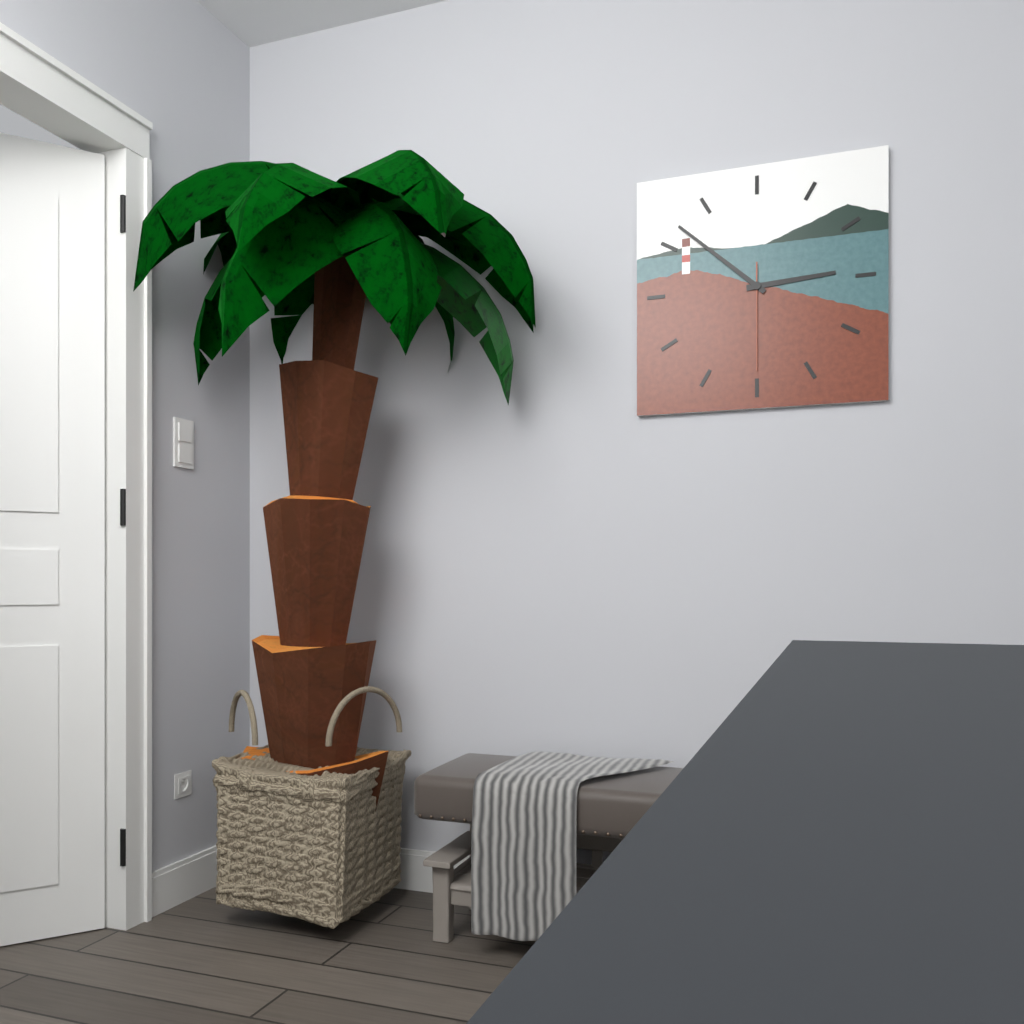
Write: 2:52:30
